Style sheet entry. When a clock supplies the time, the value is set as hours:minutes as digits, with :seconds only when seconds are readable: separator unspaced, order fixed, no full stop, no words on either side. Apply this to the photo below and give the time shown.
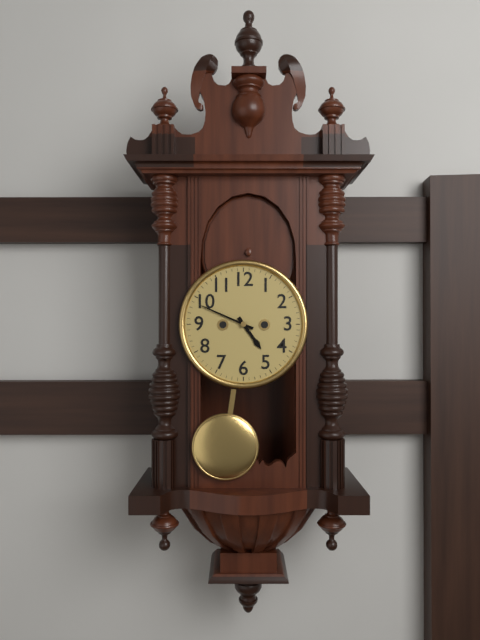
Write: 4:49
